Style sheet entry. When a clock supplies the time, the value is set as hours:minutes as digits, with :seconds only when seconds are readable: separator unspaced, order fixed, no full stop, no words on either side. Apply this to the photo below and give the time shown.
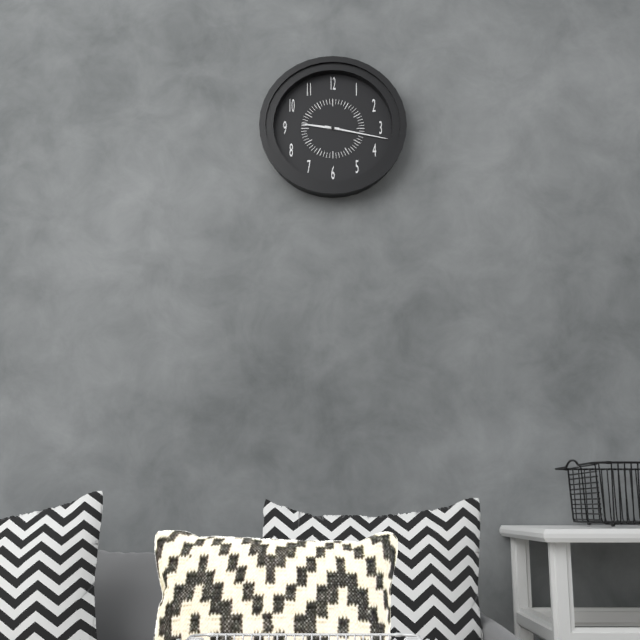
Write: 9:17
